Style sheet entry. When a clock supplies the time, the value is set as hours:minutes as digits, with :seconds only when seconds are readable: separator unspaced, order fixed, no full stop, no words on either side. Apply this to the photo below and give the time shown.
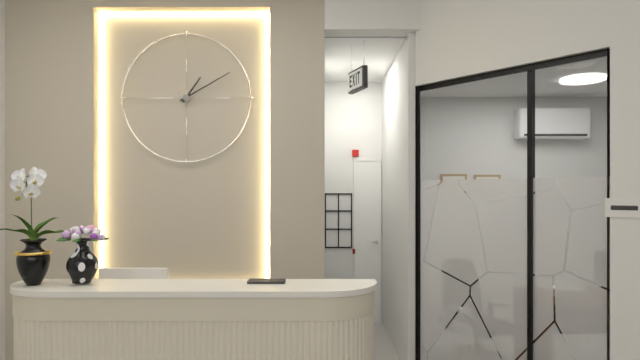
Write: 1:10
